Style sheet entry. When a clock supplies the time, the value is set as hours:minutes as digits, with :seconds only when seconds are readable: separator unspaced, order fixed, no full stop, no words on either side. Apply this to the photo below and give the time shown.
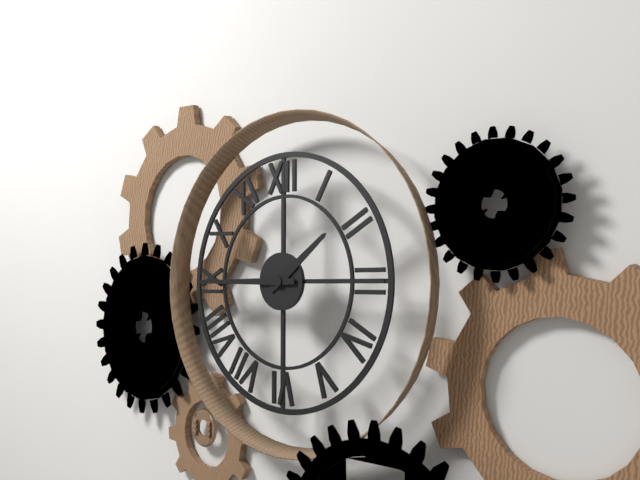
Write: 1:45
